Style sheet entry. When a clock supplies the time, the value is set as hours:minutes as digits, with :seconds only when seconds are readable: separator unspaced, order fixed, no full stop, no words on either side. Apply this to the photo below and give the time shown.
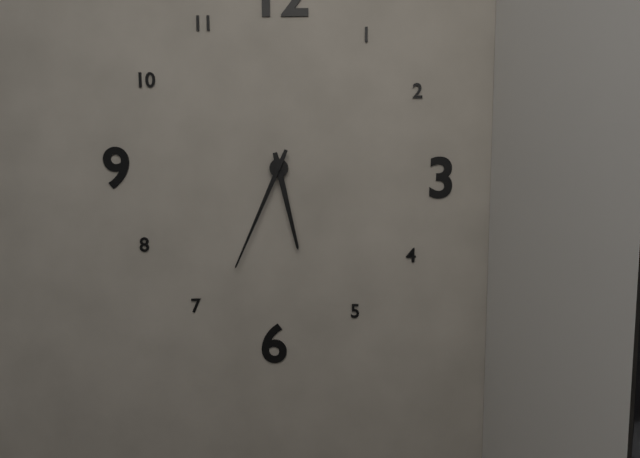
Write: 5:34
